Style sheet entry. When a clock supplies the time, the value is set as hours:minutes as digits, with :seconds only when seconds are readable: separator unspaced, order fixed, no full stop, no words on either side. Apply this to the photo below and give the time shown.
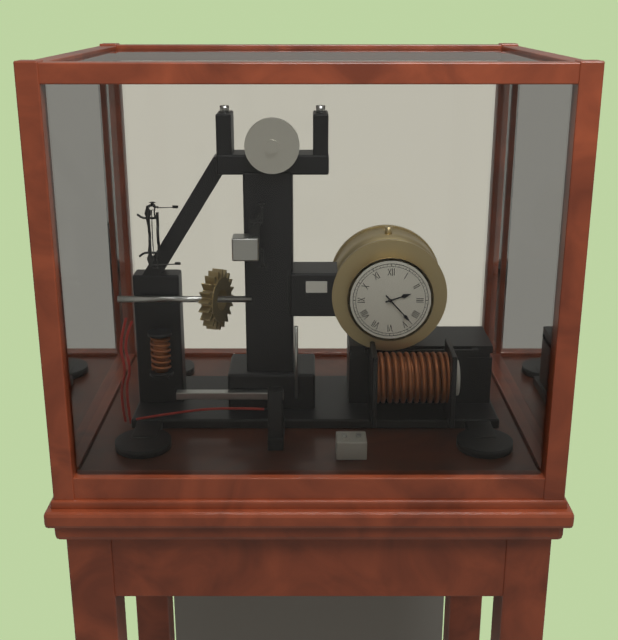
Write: 2:23
